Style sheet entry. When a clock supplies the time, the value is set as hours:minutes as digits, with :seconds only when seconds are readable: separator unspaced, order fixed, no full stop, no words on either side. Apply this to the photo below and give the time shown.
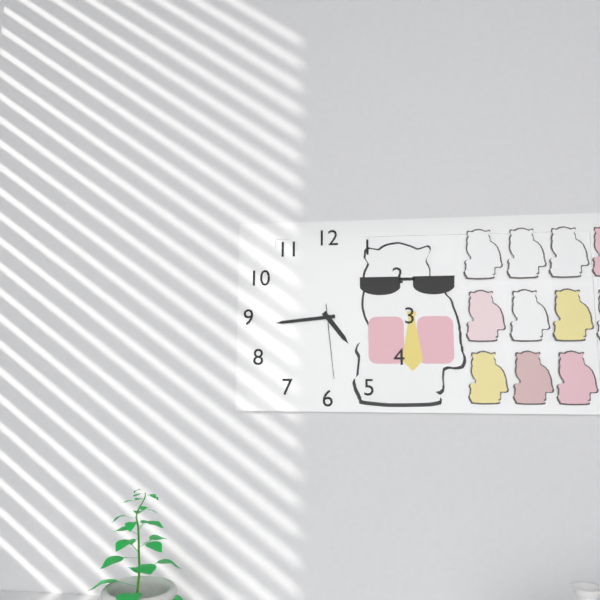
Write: 4:44:29
